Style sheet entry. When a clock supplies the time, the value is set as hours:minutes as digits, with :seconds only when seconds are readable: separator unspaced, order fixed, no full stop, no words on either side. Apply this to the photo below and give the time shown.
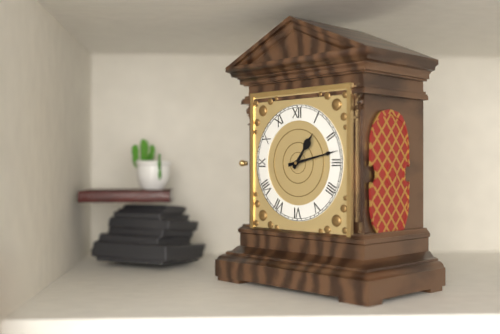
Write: 1:13
